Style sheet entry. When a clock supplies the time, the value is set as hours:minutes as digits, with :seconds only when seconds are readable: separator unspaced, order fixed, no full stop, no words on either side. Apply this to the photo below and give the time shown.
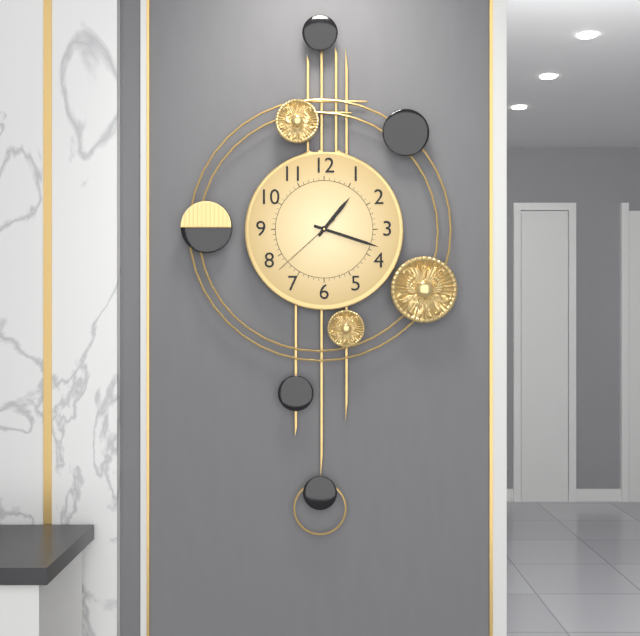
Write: 1:18:38
